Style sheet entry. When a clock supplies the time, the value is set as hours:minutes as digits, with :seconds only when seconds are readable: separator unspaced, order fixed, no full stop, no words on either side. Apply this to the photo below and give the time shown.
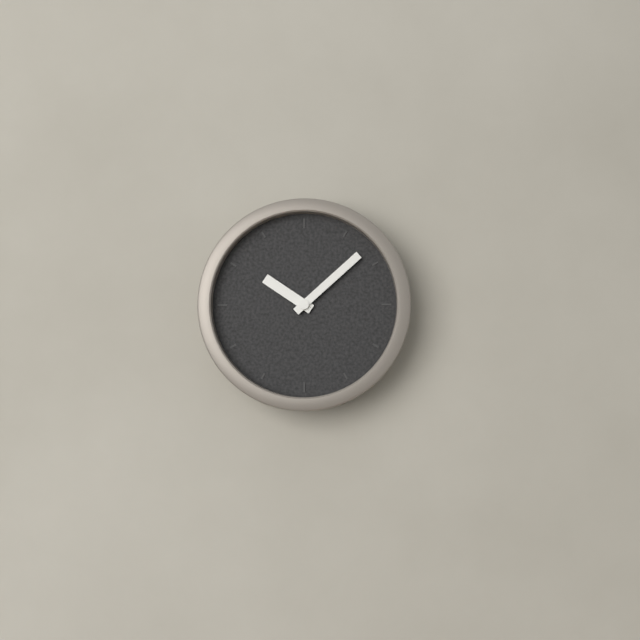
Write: 10:08
